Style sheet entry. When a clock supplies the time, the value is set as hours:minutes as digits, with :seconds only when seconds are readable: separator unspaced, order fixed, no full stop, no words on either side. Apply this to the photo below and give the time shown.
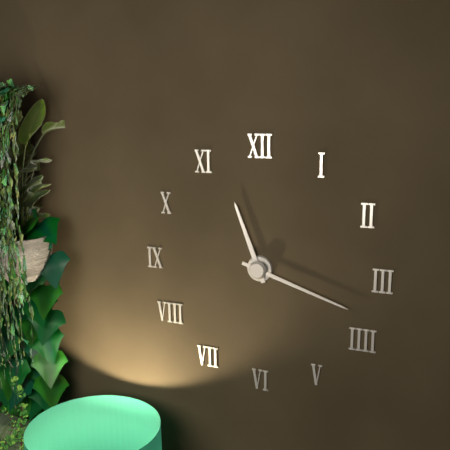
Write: 11:18
